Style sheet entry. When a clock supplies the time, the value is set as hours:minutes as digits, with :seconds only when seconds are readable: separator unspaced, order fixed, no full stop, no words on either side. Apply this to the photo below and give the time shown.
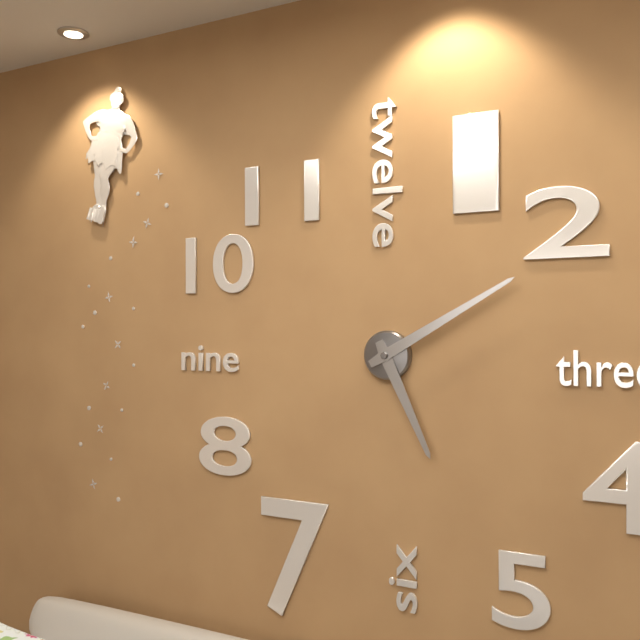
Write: 5:10
